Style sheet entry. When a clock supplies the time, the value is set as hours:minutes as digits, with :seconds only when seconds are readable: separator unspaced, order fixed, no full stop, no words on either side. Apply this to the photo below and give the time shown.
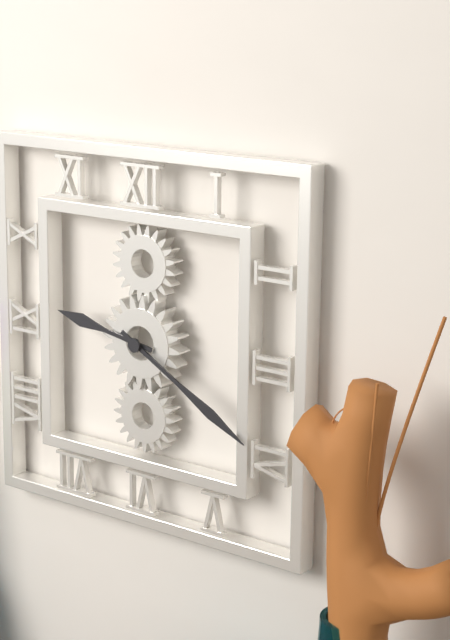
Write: 9:20
